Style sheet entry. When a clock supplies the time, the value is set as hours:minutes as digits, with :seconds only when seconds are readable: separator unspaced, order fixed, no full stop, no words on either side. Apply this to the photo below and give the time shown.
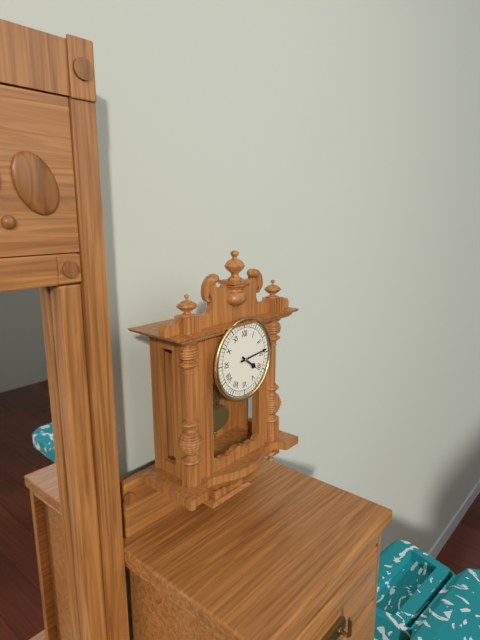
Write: 4:14
